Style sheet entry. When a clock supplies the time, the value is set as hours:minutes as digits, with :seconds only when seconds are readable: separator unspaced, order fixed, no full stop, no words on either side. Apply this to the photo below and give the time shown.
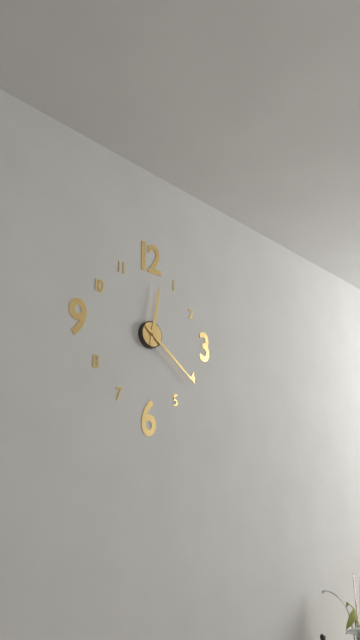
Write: 12:21
